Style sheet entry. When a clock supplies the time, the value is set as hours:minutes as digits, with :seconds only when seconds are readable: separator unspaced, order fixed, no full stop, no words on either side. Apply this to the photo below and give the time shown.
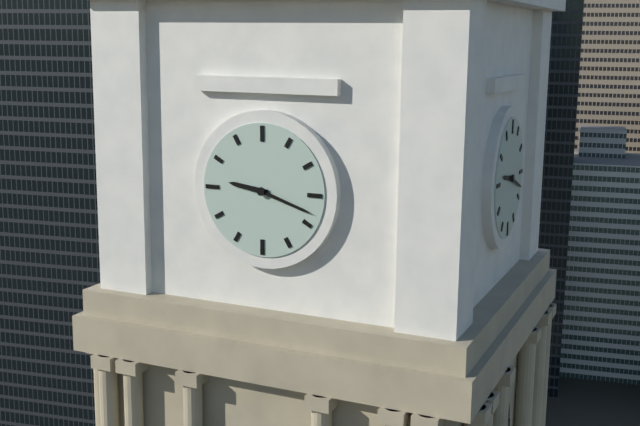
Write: 9:18
